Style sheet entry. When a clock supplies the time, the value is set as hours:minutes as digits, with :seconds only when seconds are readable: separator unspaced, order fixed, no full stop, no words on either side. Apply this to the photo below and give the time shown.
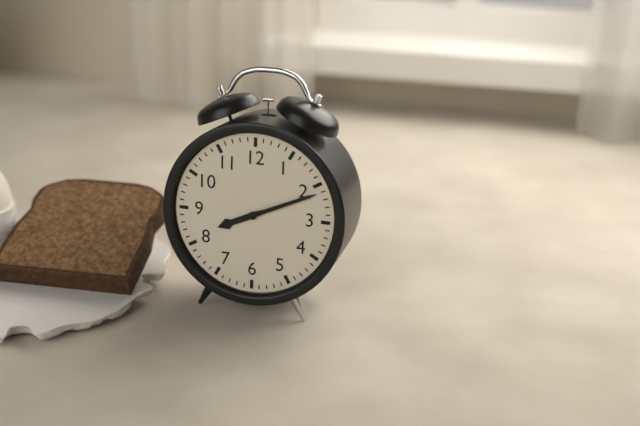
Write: 8:11
